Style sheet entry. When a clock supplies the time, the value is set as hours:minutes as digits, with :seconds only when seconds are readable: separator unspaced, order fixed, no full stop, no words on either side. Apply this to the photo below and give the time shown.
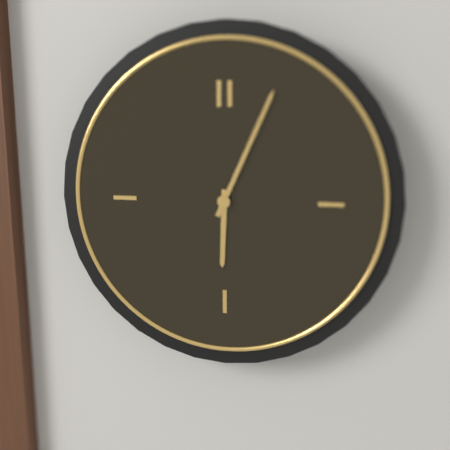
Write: 6:04
